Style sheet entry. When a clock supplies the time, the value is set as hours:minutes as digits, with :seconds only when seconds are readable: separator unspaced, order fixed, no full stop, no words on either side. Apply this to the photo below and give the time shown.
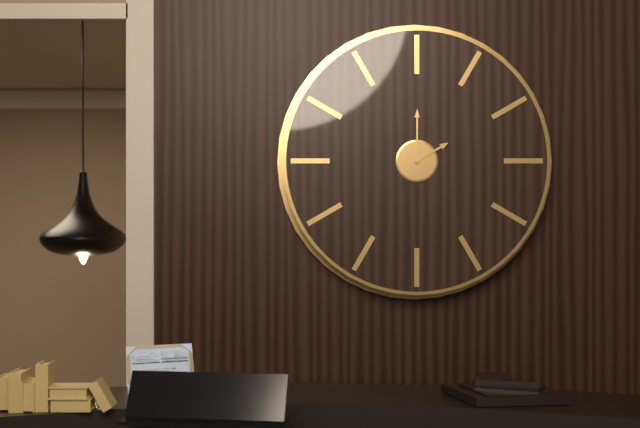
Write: 2:00
